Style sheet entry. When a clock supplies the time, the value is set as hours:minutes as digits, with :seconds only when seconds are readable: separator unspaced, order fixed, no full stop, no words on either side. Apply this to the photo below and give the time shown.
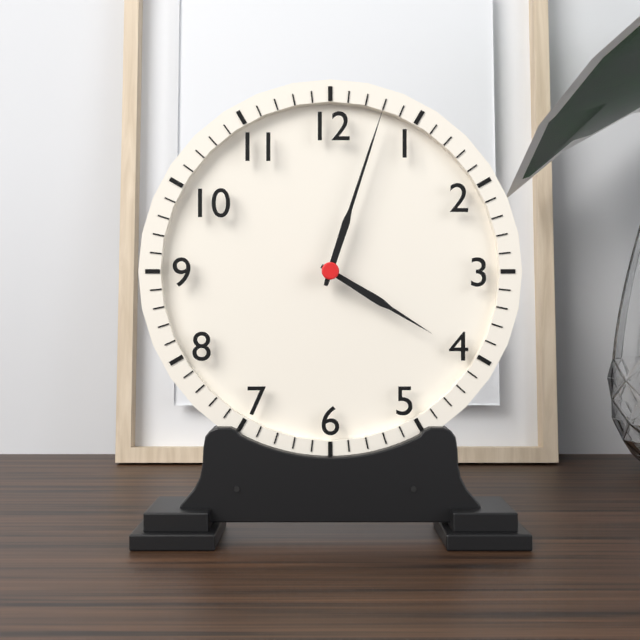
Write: 4:03
